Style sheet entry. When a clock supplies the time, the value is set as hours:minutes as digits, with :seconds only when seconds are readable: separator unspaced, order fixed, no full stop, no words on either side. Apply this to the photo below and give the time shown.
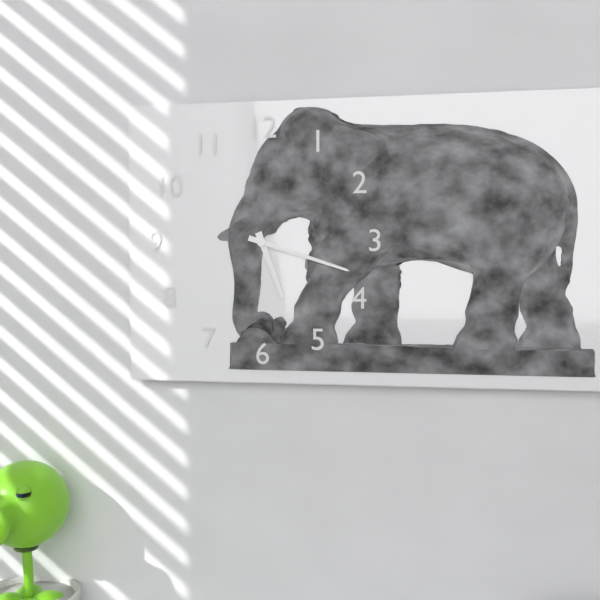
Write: 5:18
